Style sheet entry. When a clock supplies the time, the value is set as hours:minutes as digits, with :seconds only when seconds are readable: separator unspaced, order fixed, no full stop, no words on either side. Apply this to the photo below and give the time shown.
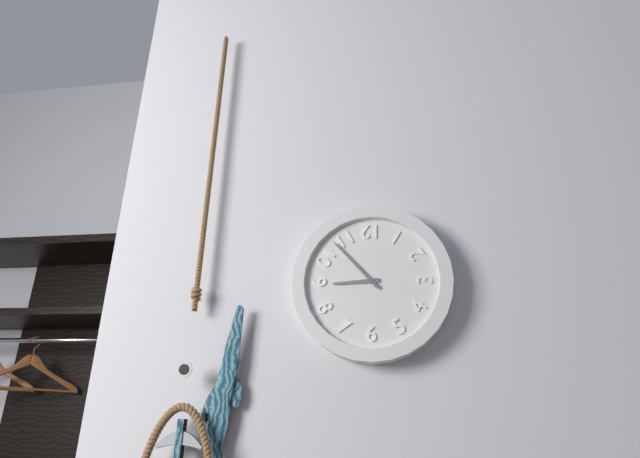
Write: 8:53
